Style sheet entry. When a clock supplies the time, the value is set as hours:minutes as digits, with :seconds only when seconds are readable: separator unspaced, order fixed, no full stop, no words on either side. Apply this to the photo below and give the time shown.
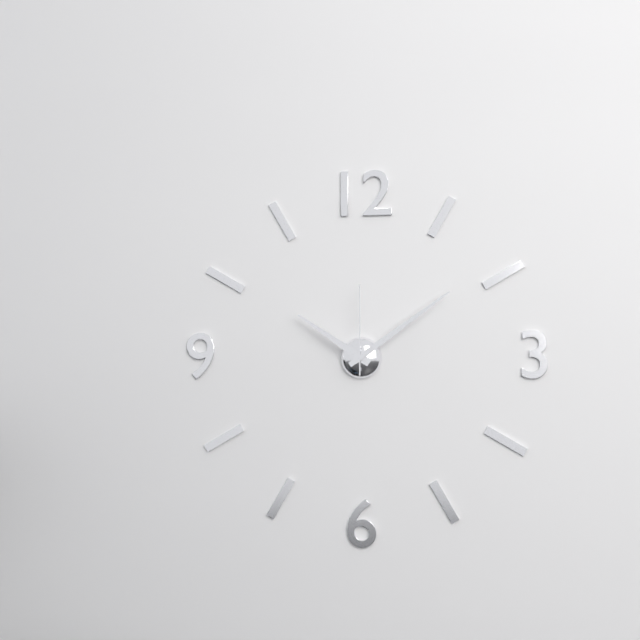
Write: 10:09:00
